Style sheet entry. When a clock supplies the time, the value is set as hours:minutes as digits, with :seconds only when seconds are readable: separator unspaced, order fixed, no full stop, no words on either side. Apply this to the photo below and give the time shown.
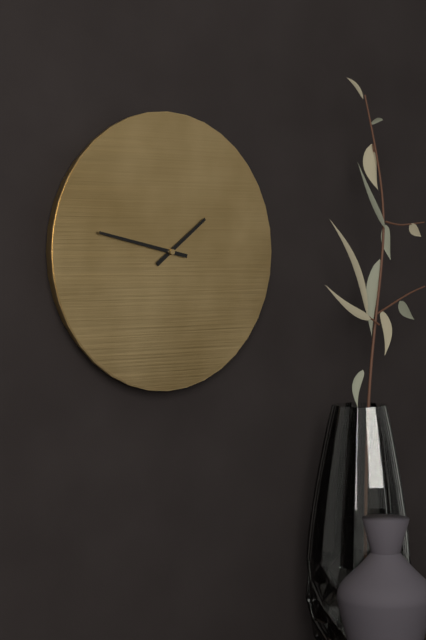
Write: 1:47
